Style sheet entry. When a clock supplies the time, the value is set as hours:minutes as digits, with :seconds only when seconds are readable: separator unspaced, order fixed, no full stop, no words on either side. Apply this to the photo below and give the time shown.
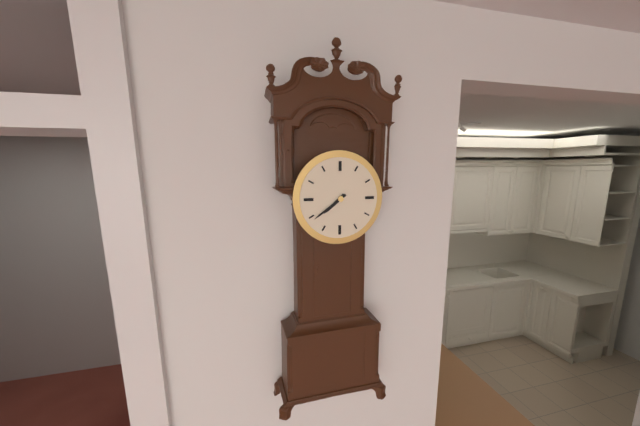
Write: 7:39
